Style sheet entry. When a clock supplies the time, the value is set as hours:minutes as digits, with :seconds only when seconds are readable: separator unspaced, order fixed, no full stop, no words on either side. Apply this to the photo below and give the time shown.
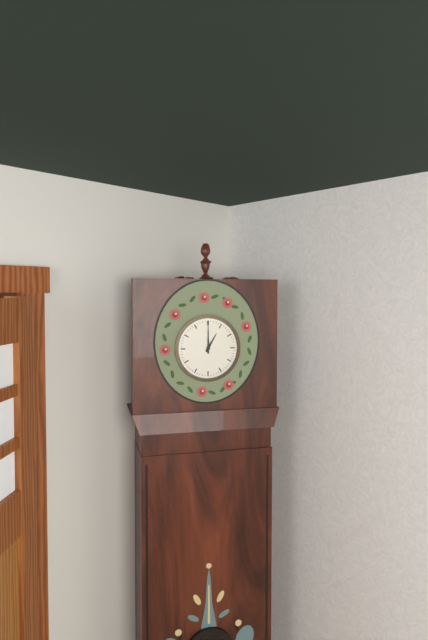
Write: 1:00
